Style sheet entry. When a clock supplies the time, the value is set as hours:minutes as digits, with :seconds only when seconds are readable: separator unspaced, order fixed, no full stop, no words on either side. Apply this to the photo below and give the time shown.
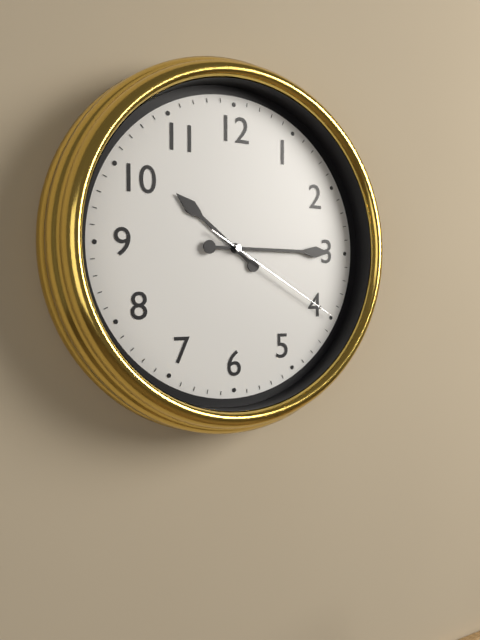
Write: 10:15:20
